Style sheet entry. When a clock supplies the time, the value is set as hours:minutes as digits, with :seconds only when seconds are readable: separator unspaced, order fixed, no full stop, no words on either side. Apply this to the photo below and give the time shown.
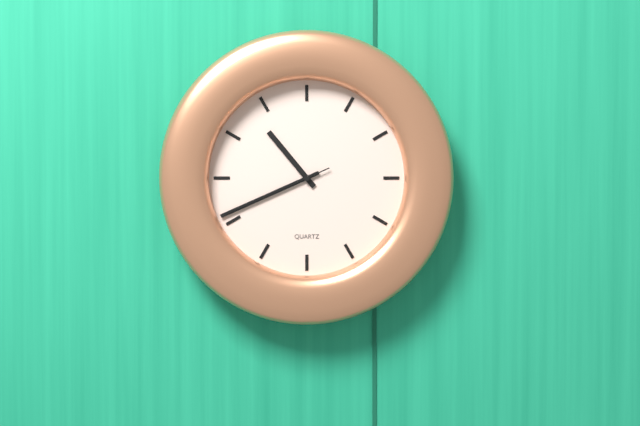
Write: 10:41:41
